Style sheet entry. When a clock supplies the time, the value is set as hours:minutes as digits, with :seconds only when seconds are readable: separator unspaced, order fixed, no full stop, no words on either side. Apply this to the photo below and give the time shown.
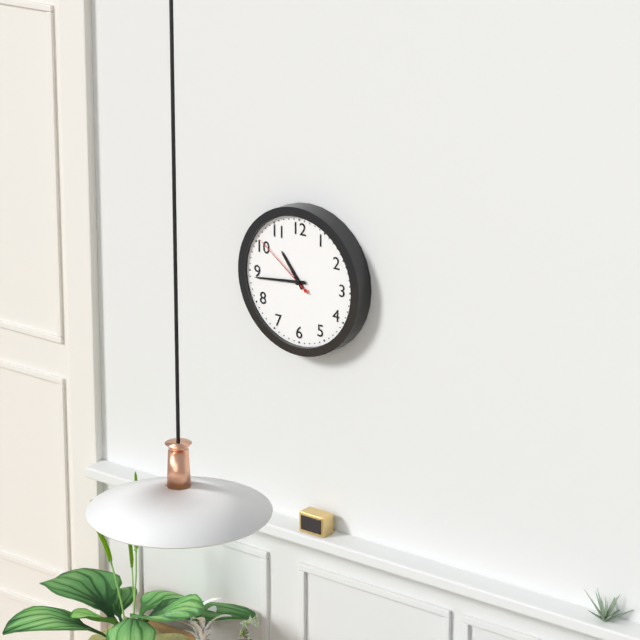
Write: 10:44:51
